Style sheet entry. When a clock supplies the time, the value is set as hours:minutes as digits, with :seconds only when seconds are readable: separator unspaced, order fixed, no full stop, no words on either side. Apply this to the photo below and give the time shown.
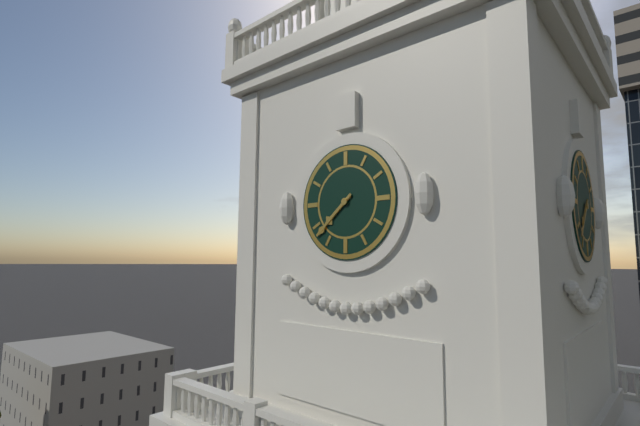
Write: 7:38
